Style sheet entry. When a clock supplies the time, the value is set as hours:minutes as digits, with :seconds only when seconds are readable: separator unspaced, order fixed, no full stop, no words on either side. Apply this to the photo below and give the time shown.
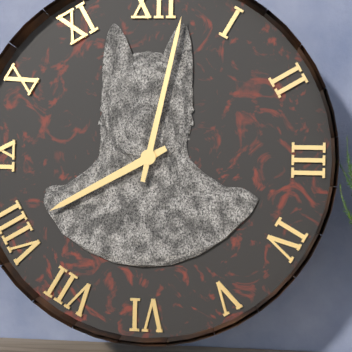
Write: 8:02
